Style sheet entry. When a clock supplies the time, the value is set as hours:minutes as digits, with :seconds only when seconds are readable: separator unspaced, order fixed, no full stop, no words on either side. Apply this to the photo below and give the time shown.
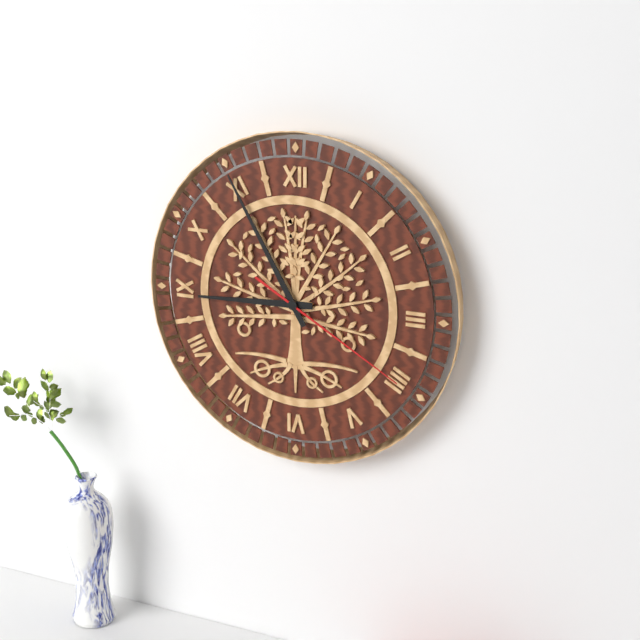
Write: 8:55:20
